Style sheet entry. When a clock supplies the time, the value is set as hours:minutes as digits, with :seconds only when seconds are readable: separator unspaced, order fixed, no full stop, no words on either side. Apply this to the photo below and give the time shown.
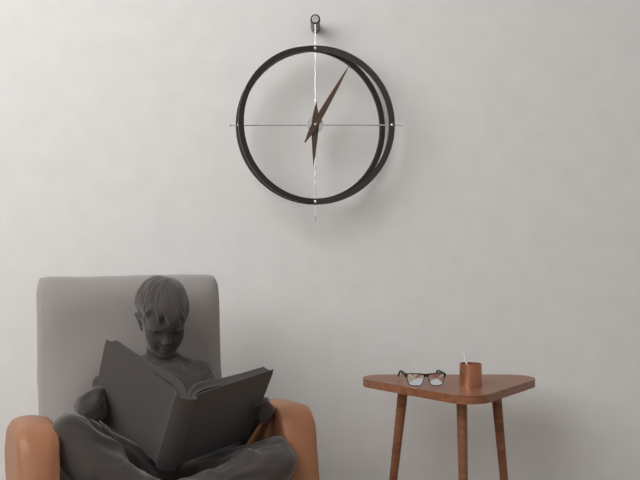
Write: 6:05
